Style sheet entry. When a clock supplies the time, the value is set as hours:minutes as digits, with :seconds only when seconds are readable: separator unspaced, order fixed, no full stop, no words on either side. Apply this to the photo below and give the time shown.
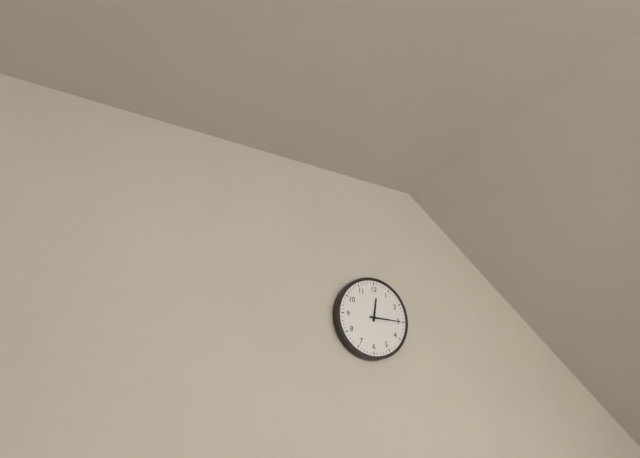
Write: 12:15
